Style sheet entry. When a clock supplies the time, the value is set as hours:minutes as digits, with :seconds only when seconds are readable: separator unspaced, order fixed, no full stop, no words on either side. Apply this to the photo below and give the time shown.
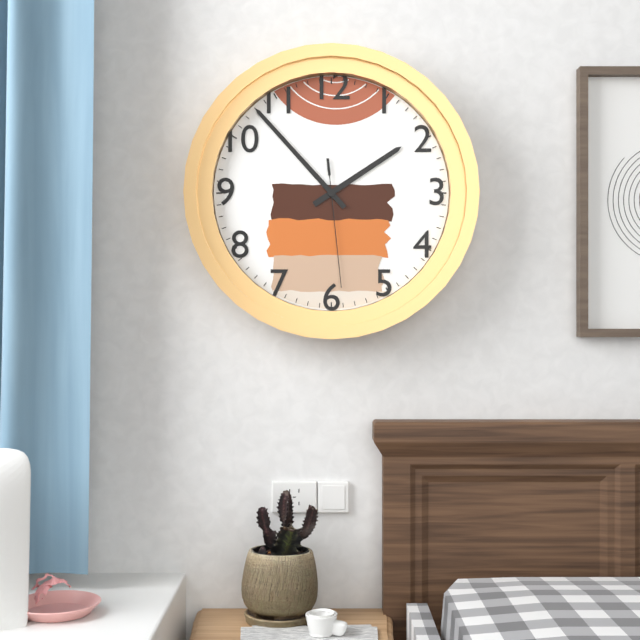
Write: 1:53:29
